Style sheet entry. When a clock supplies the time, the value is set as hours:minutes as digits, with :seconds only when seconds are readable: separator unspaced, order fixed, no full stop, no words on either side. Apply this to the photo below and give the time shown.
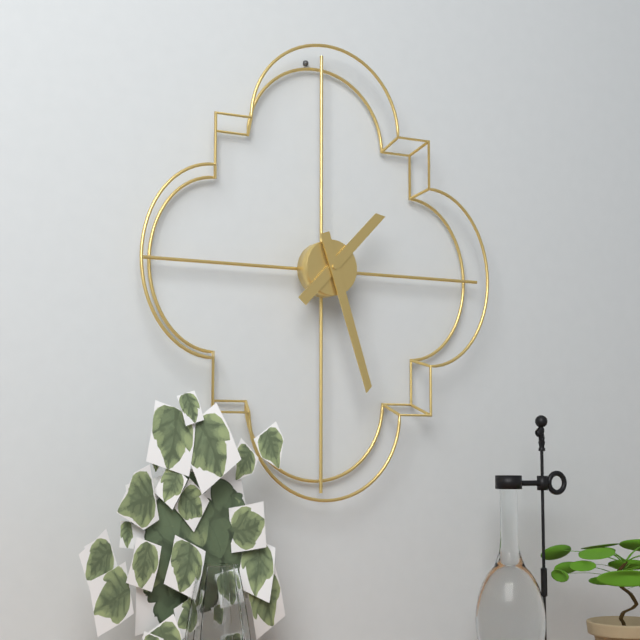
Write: 1:27
